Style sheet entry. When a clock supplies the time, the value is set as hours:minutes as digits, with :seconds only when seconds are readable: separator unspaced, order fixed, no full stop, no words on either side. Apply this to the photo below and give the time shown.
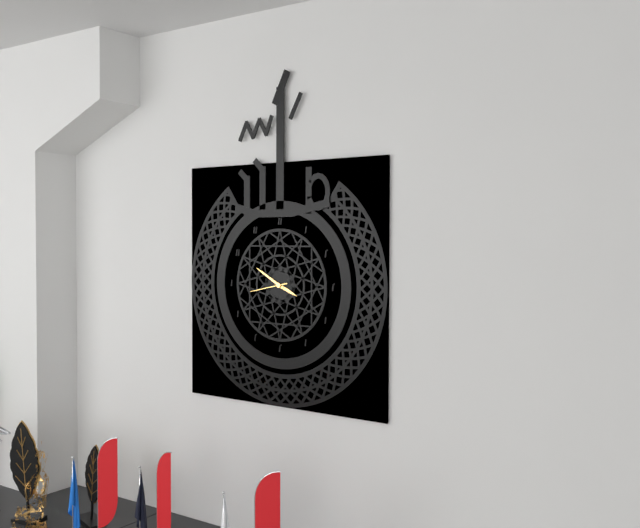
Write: 3:50
